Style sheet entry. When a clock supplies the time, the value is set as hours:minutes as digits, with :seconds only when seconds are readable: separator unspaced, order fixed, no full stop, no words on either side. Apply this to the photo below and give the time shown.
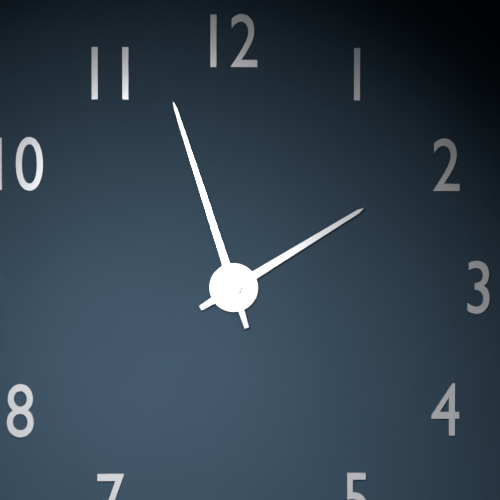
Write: 1:57
